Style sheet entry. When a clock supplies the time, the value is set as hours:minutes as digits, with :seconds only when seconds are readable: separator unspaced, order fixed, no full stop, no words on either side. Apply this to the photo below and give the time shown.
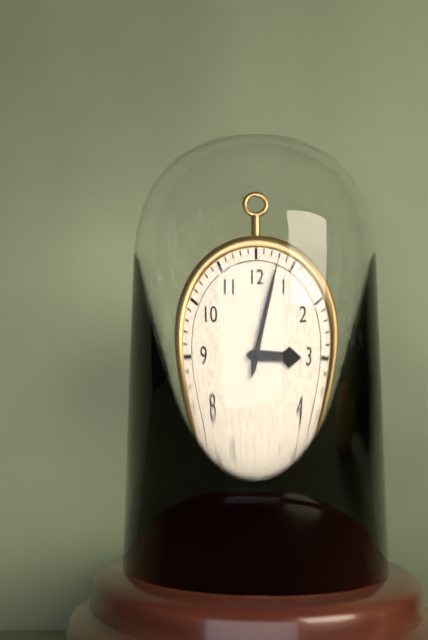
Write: 3:03
